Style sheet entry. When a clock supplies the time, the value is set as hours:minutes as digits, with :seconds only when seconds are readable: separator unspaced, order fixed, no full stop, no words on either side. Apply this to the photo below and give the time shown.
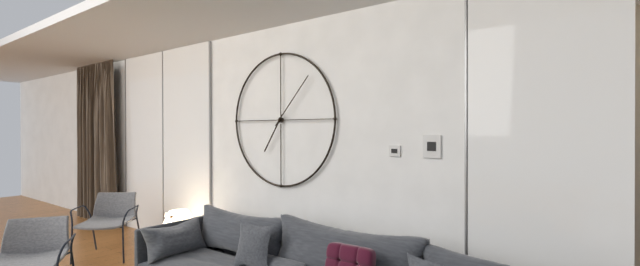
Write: 7:07
